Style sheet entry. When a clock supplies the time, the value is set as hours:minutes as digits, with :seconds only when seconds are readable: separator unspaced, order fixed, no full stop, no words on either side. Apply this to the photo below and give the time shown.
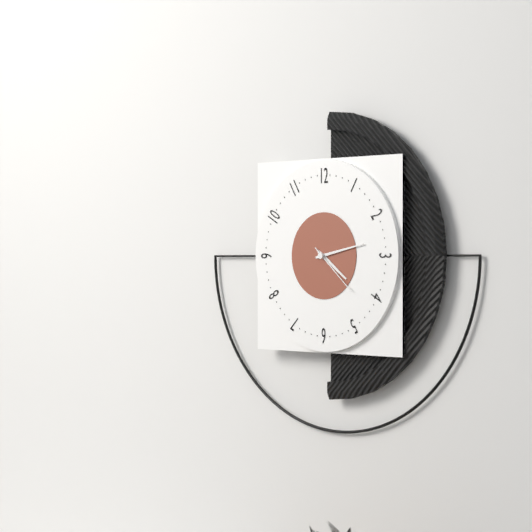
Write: 4:13:22
